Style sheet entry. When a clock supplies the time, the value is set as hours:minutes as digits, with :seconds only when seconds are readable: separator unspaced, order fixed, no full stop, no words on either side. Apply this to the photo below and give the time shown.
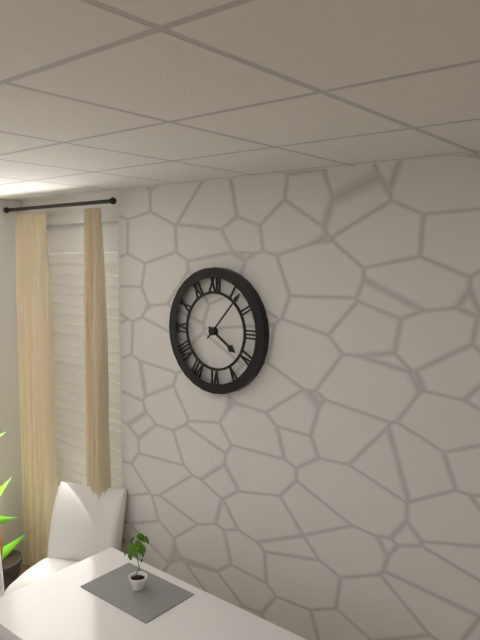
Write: 4:07
